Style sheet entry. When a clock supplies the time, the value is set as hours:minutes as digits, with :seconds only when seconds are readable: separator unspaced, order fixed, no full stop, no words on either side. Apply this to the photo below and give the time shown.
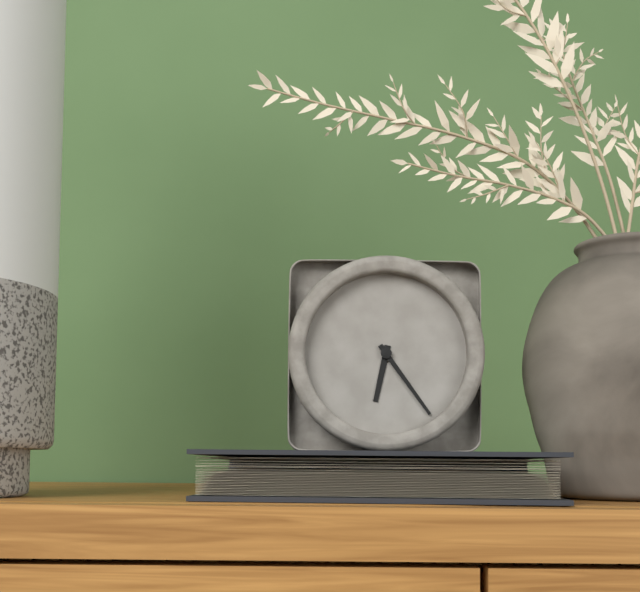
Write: 6:24
